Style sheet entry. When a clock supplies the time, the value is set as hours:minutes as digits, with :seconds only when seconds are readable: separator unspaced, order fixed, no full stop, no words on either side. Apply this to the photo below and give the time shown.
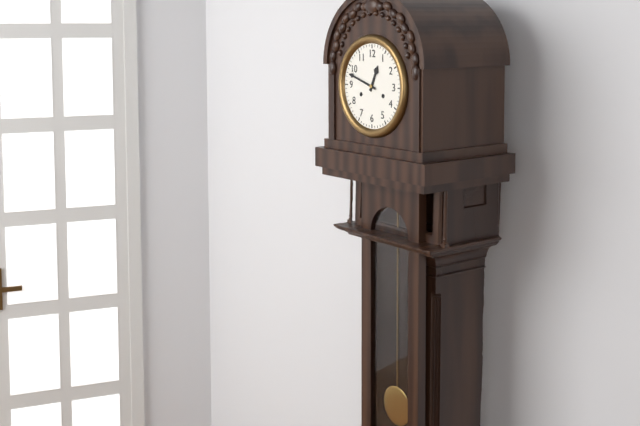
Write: 12:48
